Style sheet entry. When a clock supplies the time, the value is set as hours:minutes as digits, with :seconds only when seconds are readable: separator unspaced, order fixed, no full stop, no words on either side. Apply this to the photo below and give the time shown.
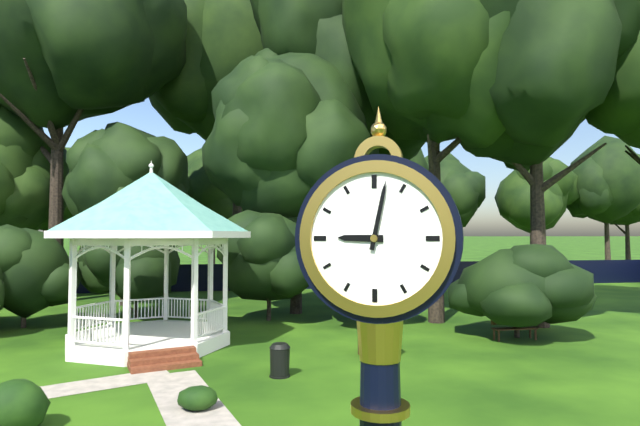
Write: 9:02
